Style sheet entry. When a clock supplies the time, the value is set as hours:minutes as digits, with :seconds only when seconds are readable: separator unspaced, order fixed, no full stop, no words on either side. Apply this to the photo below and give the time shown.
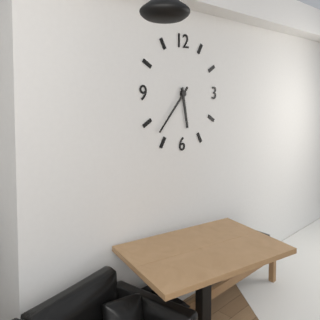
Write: 5:37
